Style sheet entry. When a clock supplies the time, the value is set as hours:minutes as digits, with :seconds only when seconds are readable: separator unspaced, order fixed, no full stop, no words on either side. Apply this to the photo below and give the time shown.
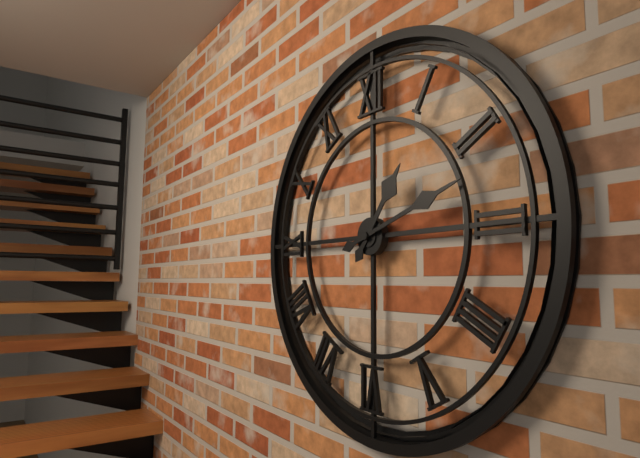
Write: 1:12
